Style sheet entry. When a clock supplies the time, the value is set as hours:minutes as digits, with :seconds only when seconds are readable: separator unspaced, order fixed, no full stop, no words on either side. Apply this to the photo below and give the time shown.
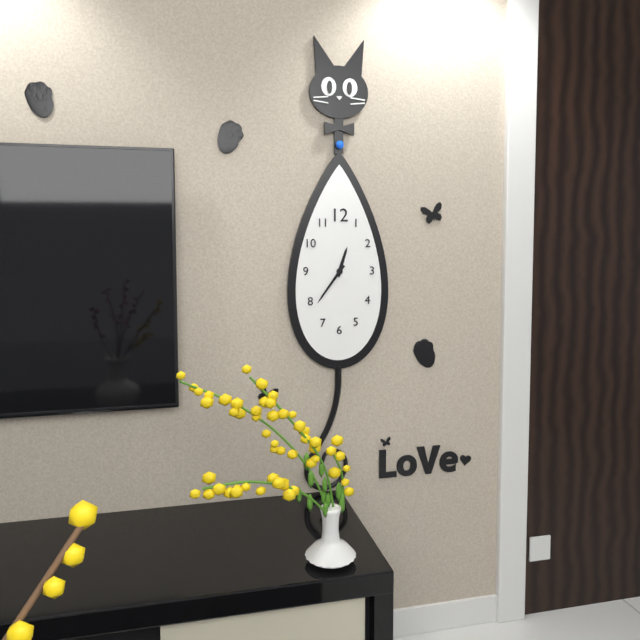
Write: 12:36
